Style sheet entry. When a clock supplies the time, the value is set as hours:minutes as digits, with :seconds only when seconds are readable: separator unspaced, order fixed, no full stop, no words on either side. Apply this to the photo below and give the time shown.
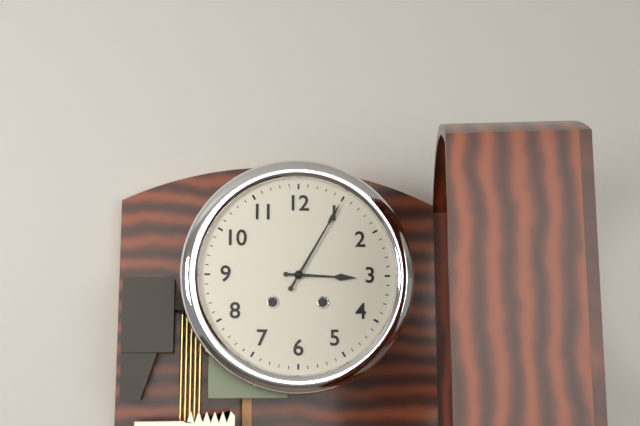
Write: 3:05
